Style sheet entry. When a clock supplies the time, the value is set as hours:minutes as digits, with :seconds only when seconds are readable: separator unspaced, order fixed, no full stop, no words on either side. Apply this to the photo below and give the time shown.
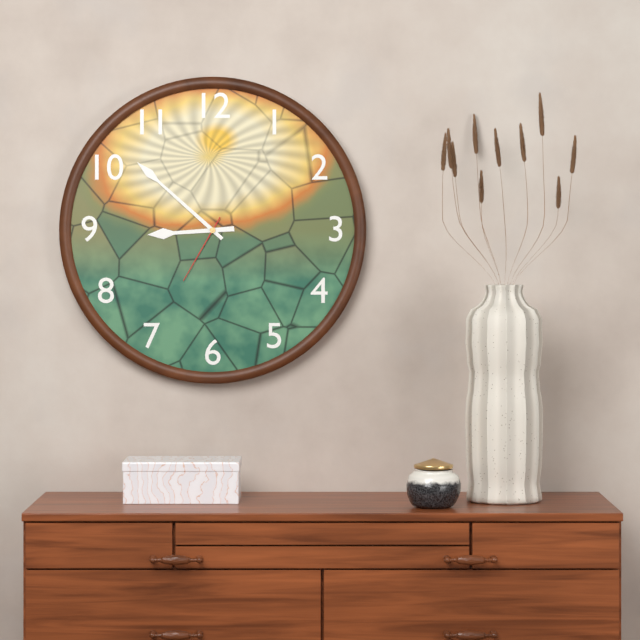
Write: 8:52:35
